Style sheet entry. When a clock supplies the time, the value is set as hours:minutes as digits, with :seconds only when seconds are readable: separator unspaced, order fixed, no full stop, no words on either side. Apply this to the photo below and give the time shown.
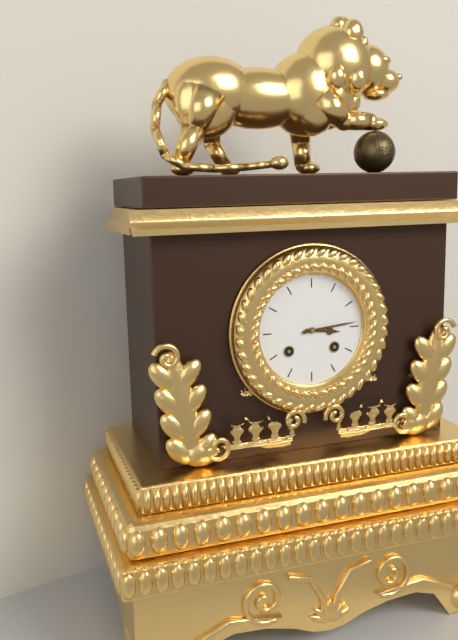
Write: 3:14
